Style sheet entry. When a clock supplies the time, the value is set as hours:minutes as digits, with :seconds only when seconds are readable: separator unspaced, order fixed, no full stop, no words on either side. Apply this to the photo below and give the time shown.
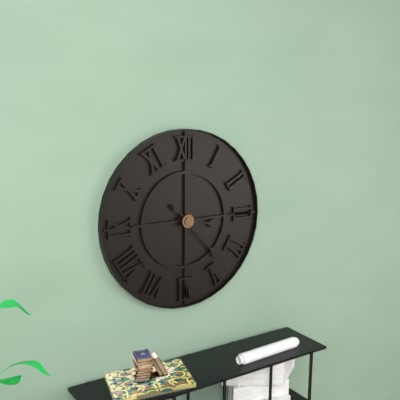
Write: 3:23
